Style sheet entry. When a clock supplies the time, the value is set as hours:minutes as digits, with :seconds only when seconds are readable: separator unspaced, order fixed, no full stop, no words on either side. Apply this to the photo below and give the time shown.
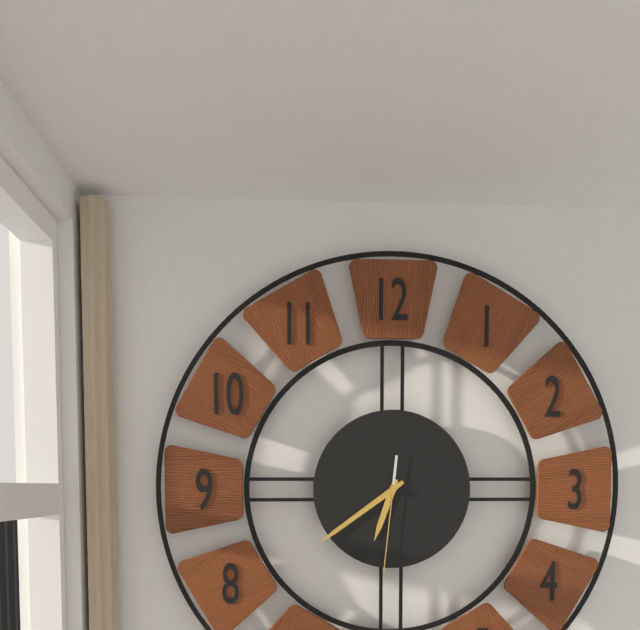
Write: 6:39:31
